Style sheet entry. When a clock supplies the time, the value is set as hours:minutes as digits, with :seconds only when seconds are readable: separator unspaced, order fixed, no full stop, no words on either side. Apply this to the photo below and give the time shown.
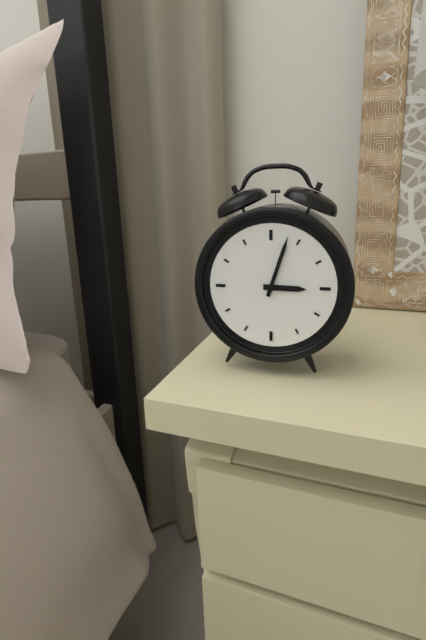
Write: 3:03
